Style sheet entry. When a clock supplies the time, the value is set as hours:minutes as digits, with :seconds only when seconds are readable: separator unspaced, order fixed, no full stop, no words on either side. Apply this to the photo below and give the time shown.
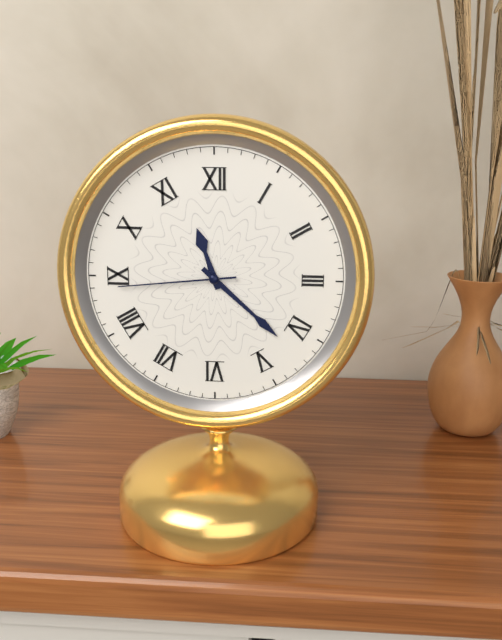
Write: 11:22:44
